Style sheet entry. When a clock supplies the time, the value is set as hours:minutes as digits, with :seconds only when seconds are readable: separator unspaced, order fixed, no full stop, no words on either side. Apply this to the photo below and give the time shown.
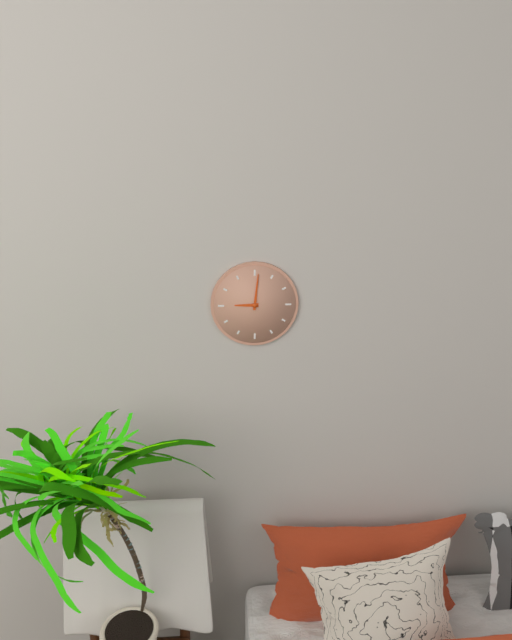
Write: 9:01
